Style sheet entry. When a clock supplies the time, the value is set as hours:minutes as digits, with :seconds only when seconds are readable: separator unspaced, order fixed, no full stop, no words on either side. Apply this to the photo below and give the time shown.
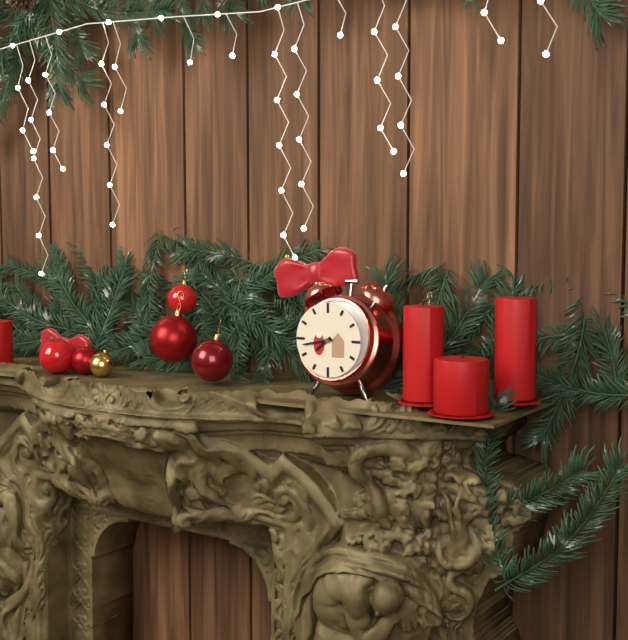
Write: 7:43
